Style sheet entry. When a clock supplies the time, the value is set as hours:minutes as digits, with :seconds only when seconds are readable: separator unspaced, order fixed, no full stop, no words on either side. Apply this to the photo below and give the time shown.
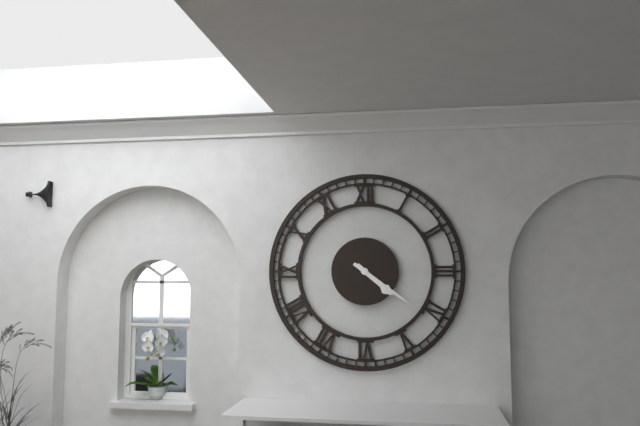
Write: 4:21
